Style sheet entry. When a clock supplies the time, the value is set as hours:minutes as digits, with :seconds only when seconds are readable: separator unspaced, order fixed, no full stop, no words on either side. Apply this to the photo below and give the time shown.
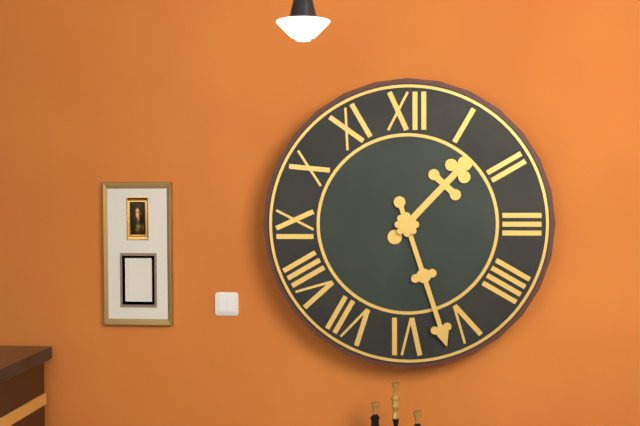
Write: 1:27
